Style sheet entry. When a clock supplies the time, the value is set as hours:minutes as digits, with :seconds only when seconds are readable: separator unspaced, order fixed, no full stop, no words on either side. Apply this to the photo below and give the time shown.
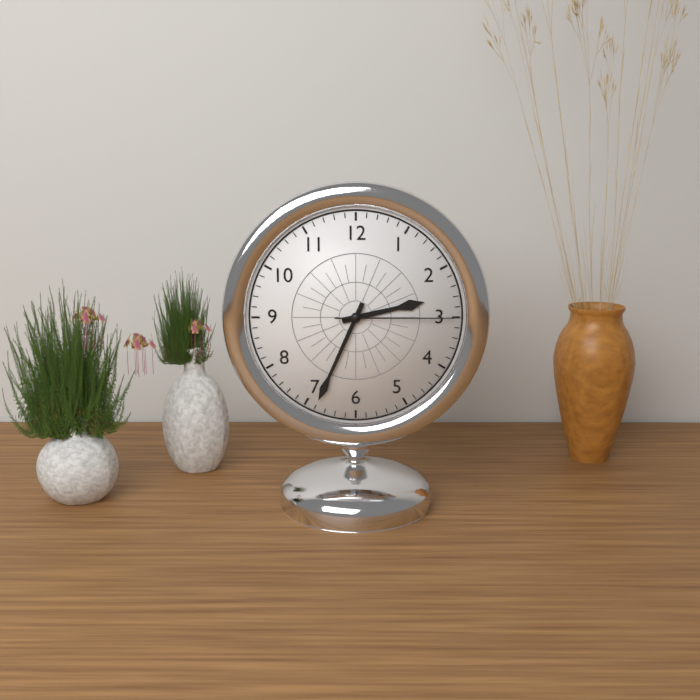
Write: 2:34:15
